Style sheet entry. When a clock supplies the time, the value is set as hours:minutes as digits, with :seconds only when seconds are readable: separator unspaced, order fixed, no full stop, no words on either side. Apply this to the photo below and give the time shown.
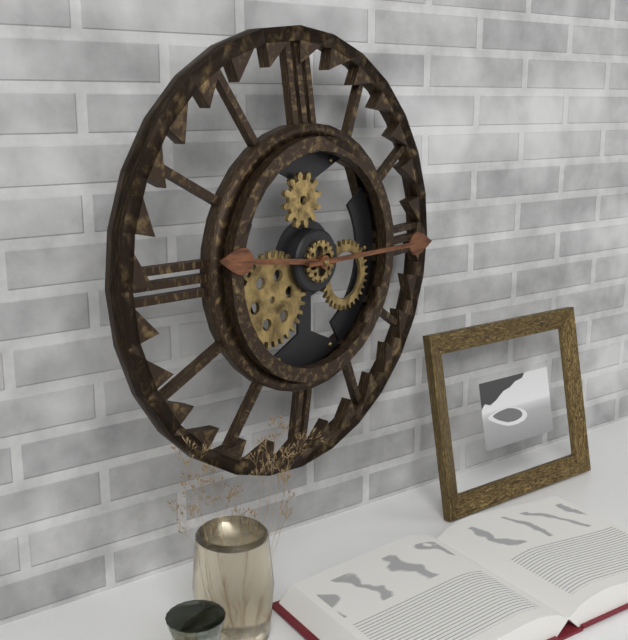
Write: 9:15
